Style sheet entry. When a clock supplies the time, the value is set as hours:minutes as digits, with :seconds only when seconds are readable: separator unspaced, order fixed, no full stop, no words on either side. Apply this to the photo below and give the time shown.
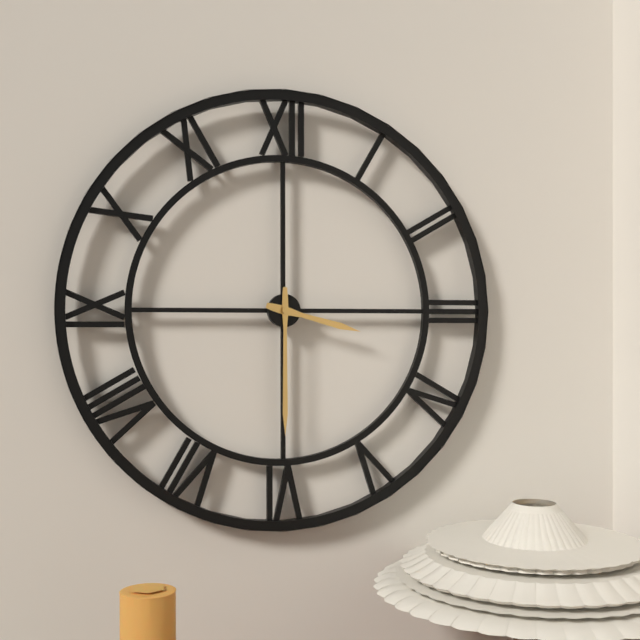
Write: 3:30
